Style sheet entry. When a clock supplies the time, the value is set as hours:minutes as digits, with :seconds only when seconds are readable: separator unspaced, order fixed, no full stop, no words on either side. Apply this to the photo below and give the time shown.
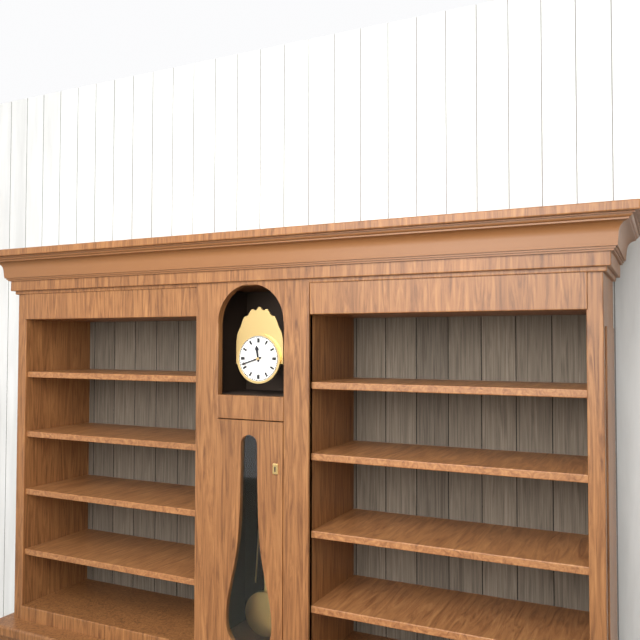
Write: 11:42
